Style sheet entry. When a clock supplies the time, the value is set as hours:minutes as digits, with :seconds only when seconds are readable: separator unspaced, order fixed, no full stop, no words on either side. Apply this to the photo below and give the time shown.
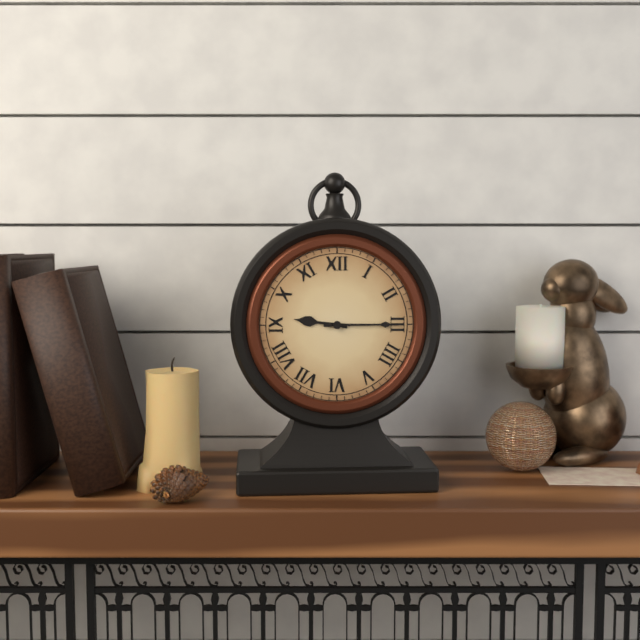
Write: 9:15
